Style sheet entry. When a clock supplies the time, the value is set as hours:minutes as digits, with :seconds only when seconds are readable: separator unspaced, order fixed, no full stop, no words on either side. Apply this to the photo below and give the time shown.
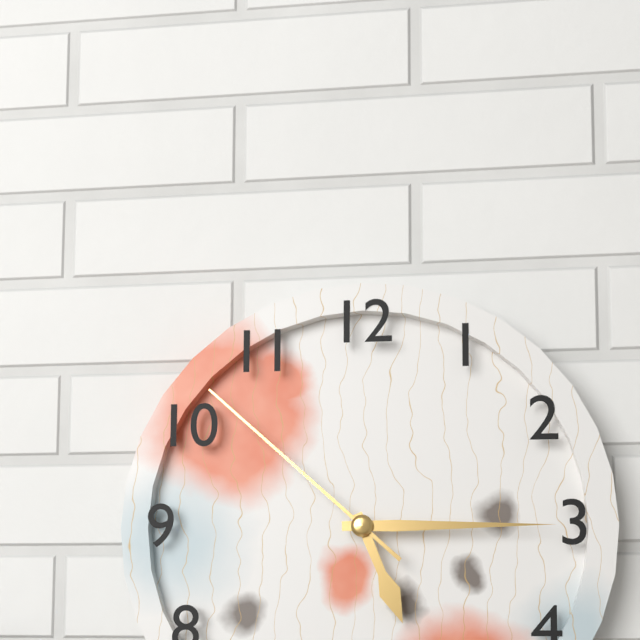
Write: 5:15:52
